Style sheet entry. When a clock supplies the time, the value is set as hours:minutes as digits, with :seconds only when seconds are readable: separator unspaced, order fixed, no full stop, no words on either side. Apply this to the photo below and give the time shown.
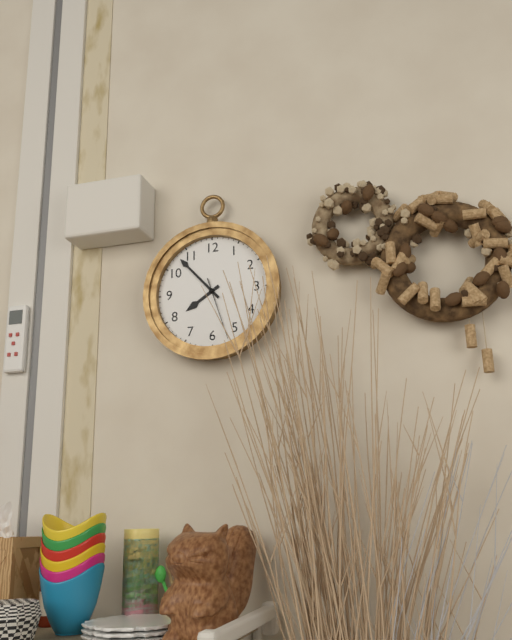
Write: 7:53:27
